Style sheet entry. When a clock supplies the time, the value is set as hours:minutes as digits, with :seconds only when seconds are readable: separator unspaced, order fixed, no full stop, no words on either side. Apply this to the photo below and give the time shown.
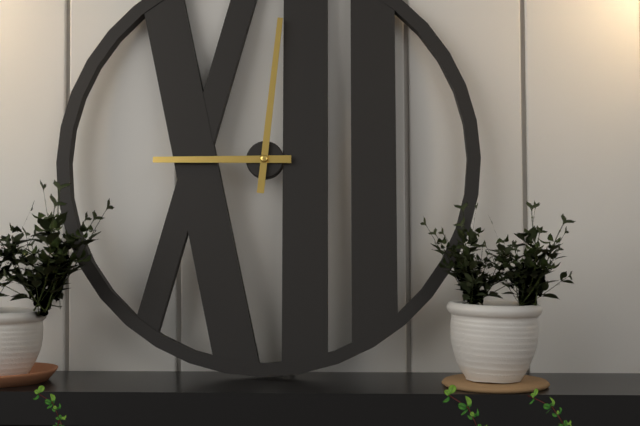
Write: 9:01
